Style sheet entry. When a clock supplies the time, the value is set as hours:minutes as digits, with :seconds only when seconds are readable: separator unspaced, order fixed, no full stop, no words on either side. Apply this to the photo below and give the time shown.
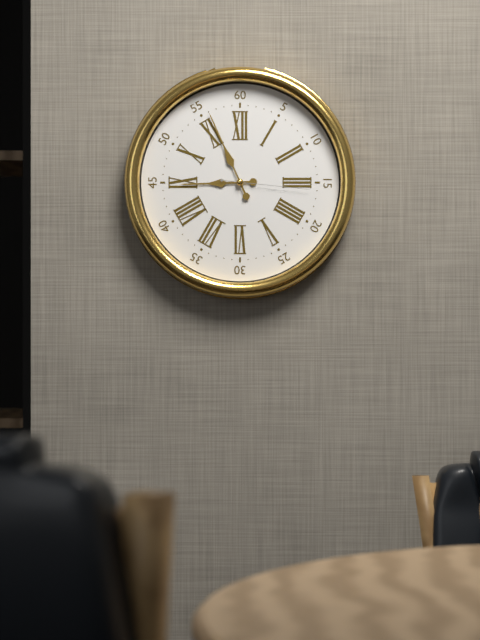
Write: 8:56:16
